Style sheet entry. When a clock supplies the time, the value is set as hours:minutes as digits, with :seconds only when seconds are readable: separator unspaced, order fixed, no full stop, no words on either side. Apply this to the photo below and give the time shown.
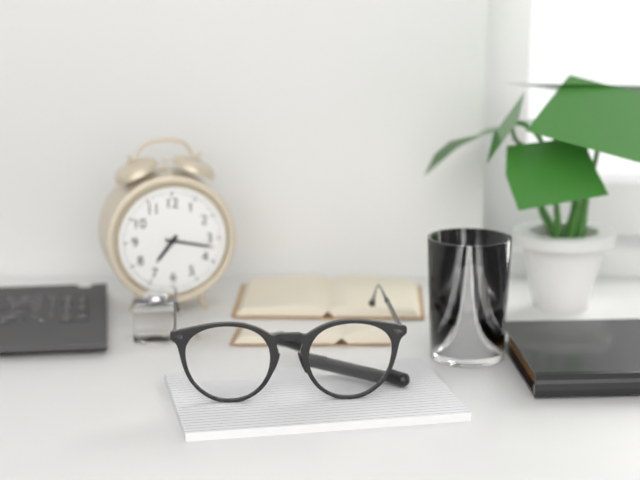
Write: 7:17
